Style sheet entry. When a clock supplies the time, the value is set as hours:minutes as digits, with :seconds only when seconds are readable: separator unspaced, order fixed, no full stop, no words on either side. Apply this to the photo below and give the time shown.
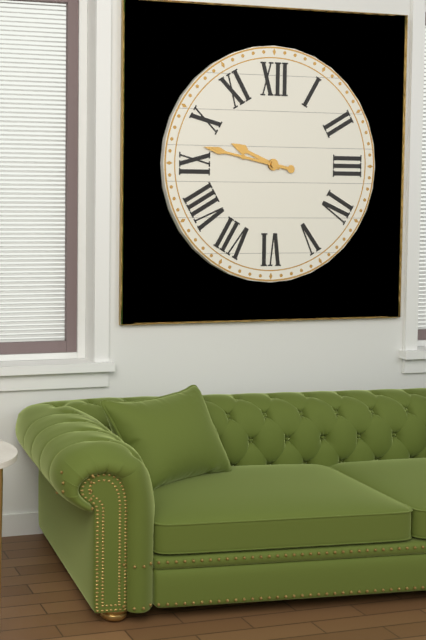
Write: 9:47
